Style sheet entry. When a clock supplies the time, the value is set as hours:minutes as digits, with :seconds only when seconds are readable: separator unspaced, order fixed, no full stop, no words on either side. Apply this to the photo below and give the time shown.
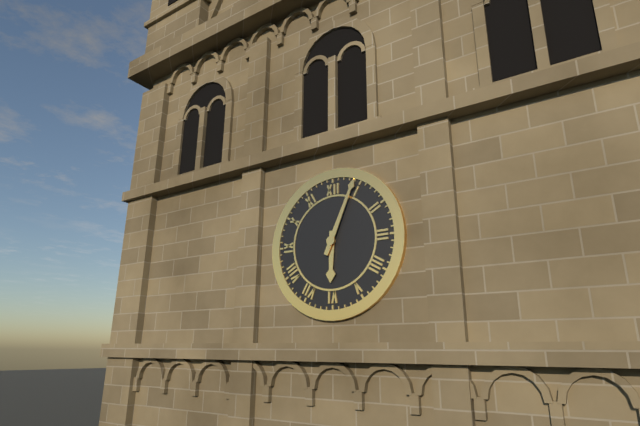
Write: 6:04
